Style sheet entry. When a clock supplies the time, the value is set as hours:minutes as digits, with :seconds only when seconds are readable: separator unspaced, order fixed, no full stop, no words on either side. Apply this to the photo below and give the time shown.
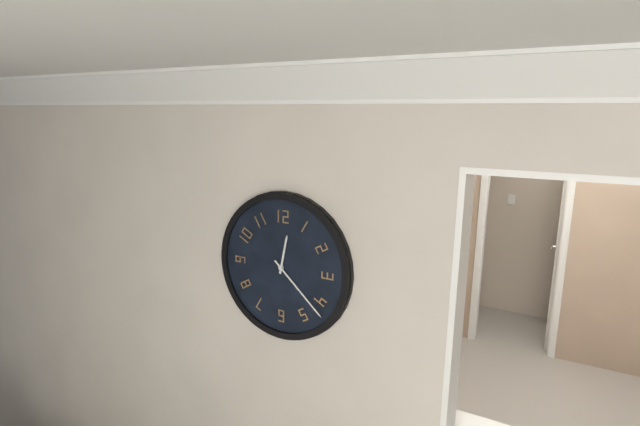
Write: 12:22
